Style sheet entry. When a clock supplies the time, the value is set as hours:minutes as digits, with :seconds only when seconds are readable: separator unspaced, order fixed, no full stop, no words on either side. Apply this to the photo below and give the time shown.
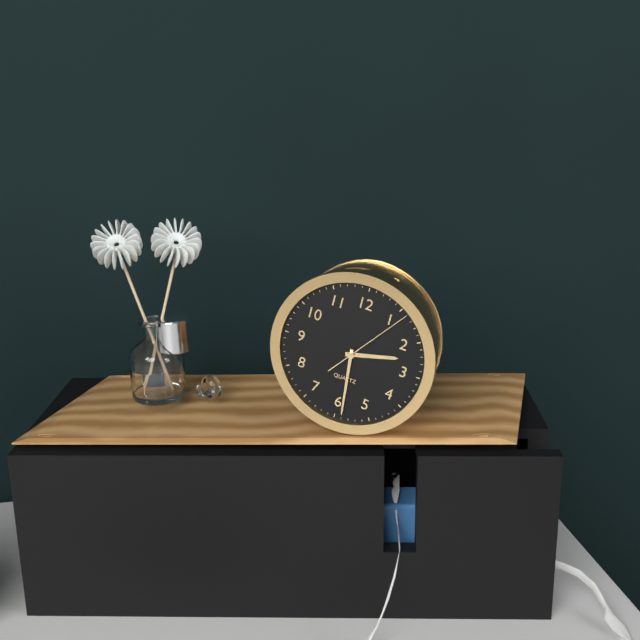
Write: 2:29:06
